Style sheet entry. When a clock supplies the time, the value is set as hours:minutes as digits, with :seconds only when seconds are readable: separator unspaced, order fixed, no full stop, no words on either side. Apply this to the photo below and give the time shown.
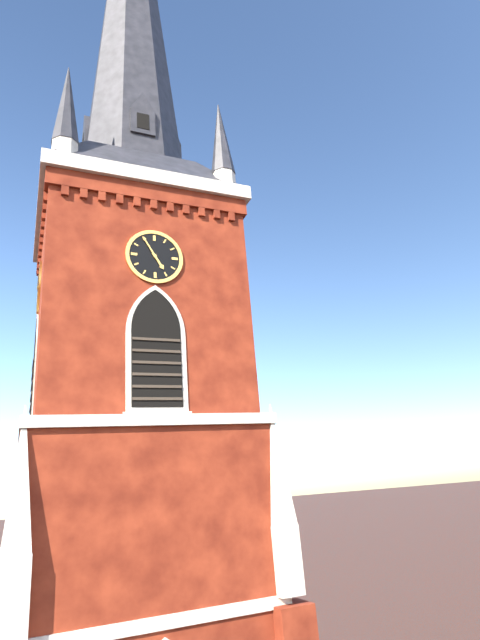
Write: 4:55
